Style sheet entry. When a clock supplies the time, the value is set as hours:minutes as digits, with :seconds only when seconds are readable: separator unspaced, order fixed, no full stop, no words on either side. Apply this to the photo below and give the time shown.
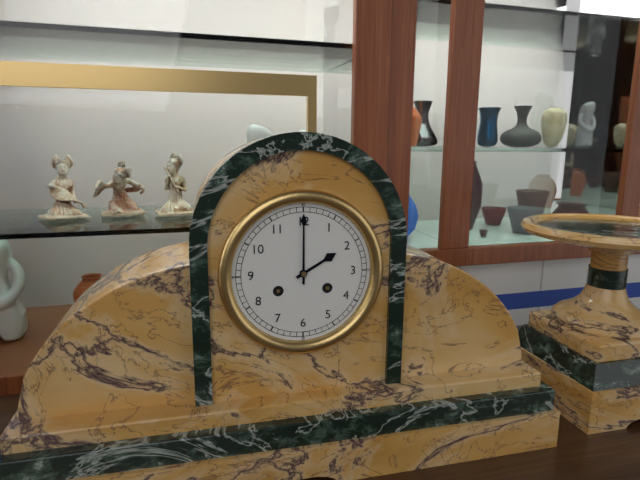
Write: 2:00
